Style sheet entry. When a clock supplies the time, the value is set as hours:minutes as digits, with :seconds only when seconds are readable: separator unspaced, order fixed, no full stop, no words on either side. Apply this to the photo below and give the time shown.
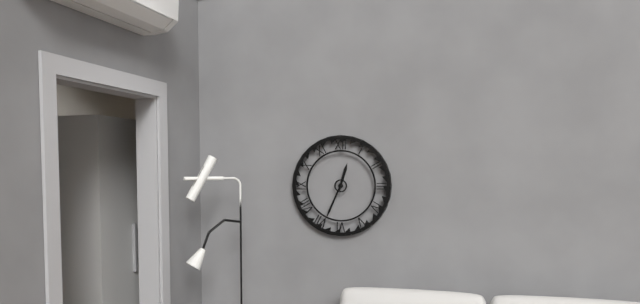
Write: 12:34
